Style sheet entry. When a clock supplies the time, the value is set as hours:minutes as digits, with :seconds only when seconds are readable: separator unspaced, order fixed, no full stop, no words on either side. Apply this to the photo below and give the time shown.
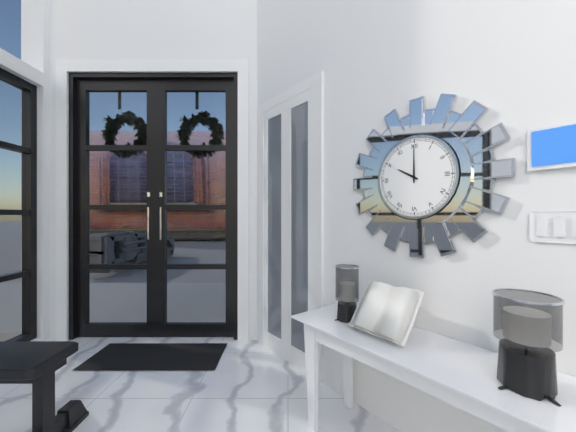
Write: 10:00
